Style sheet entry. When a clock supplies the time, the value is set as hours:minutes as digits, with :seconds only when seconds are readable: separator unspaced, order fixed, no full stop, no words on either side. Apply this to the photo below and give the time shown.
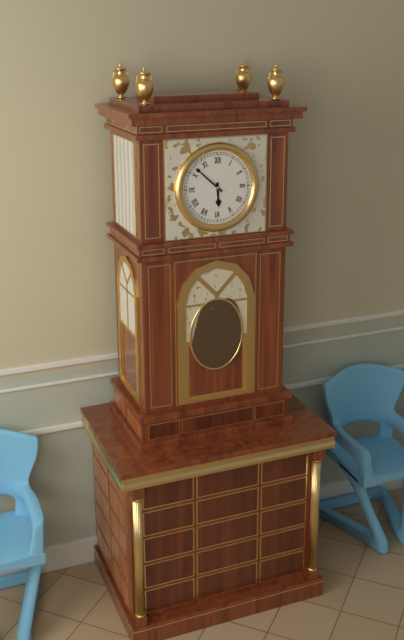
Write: 5:52
